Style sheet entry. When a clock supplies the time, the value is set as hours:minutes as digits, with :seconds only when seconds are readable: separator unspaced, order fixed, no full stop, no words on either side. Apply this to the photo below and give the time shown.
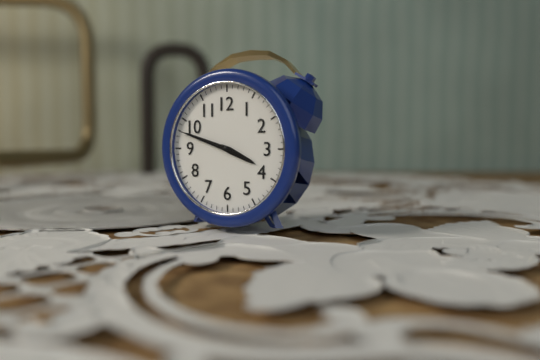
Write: 3:48:48
